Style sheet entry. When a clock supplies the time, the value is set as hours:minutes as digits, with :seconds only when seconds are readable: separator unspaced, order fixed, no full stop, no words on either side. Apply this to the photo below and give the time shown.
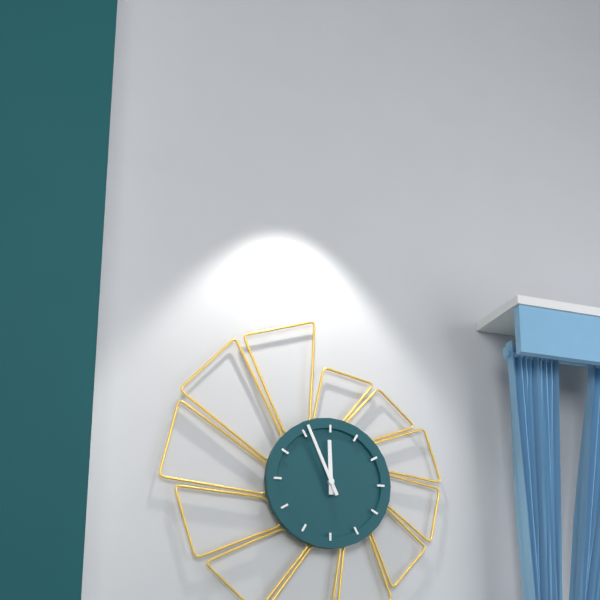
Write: 11:56
